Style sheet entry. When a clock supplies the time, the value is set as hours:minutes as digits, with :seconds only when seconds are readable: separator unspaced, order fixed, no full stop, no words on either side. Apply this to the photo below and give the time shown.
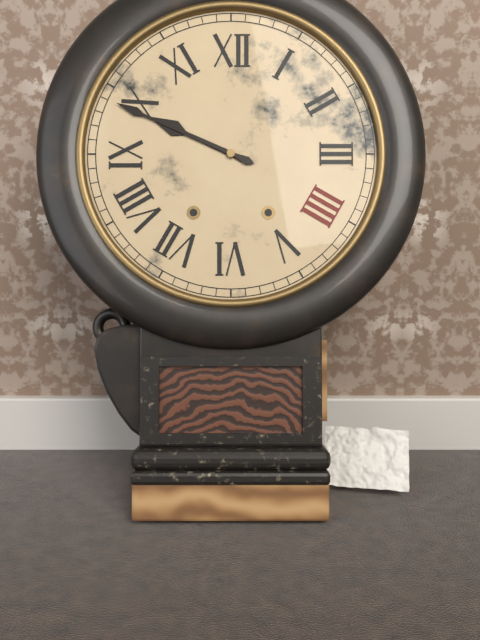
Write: 9:49
